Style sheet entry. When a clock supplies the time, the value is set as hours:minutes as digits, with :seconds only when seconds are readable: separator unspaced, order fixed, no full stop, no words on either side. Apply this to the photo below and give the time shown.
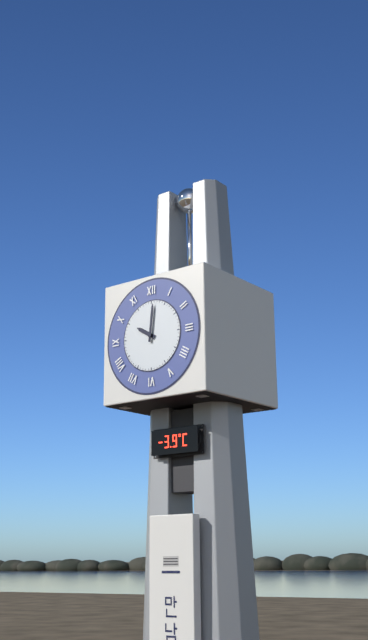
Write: 10:01
